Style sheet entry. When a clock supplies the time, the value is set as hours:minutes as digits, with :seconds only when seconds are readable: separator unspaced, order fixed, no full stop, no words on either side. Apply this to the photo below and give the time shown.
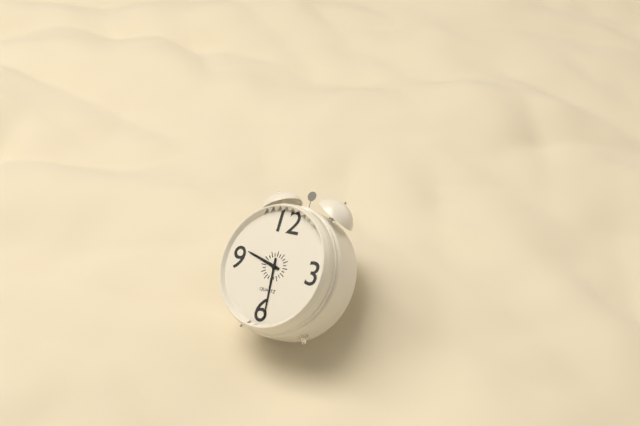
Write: 9:29
